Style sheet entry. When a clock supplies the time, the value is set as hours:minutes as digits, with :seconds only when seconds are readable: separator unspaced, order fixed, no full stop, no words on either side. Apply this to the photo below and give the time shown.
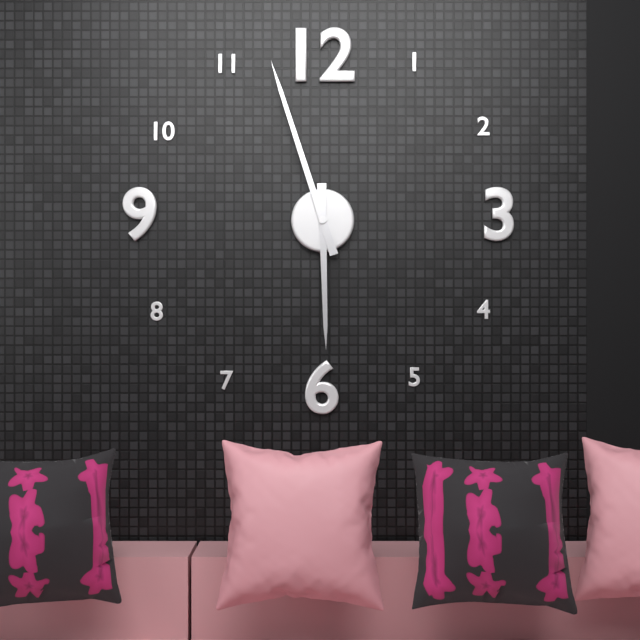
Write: 5:57
